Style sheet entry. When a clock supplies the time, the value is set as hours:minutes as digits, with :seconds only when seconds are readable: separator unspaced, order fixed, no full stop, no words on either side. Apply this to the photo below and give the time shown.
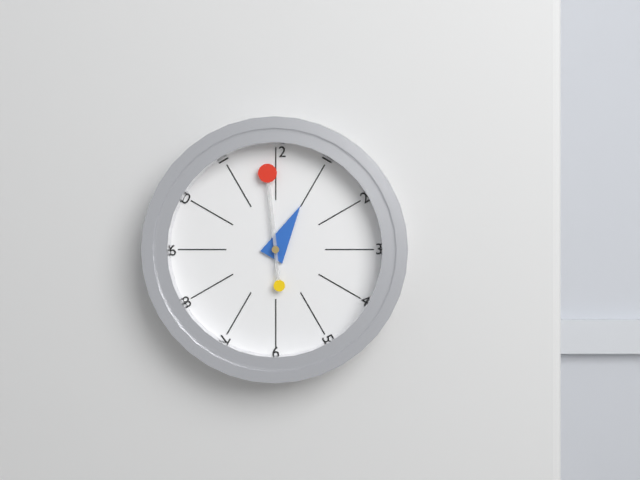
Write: 12:59
